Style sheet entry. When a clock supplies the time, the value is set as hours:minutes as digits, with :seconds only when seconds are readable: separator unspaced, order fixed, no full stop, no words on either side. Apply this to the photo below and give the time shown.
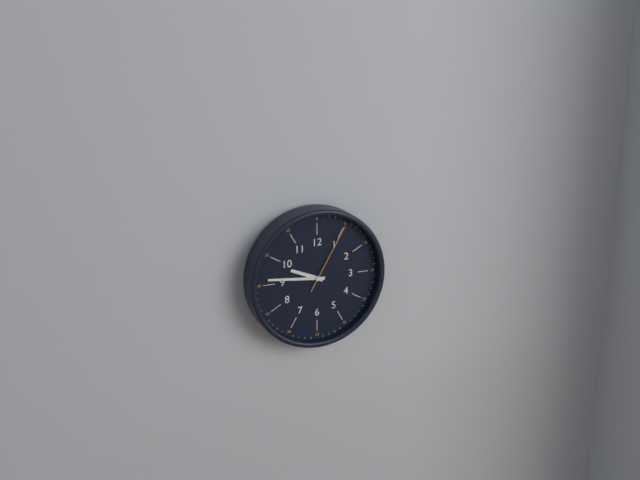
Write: 9:46:05
